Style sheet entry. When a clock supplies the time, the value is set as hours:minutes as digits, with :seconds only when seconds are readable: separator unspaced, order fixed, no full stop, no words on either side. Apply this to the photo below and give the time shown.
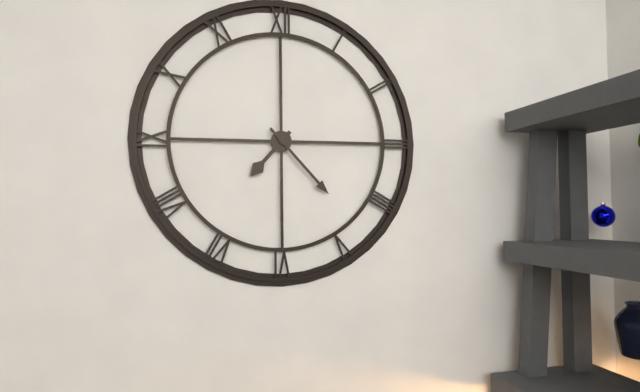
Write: 7:23
